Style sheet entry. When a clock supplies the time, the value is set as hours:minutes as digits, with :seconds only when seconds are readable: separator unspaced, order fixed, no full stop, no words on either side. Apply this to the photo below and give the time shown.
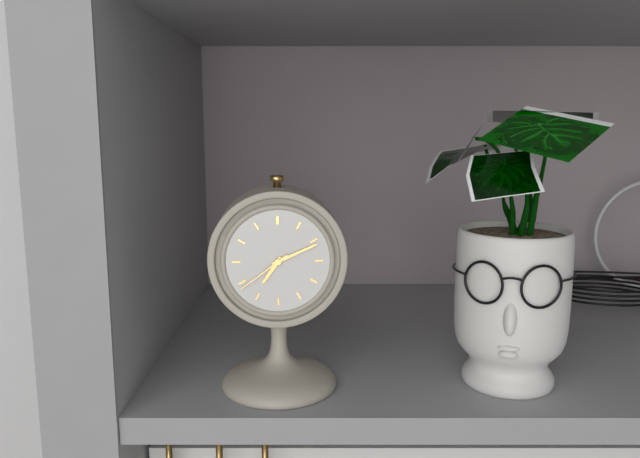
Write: 7:11:39
